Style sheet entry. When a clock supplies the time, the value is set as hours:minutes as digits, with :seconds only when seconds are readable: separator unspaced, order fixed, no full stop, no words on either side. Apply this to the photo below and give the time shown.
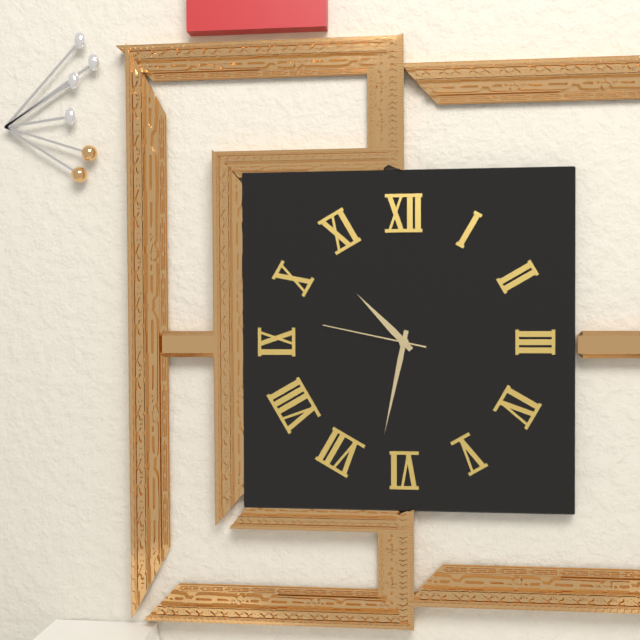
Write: 10:32:47
